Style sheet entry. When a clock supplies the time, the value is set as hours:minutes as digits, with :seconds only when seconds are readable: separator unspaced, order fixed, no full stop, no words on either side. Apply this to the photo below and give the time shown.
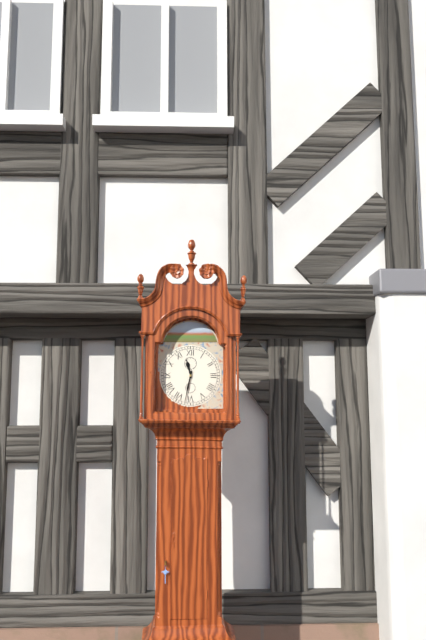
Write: 11:32
